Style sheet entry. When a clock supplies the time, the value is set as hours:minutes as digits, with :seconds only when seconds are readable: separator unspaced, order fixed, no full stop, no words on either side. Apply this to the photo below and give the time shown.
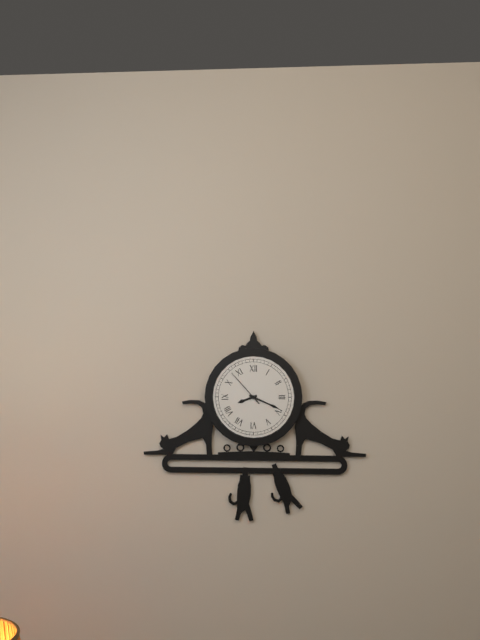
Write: 8:19
